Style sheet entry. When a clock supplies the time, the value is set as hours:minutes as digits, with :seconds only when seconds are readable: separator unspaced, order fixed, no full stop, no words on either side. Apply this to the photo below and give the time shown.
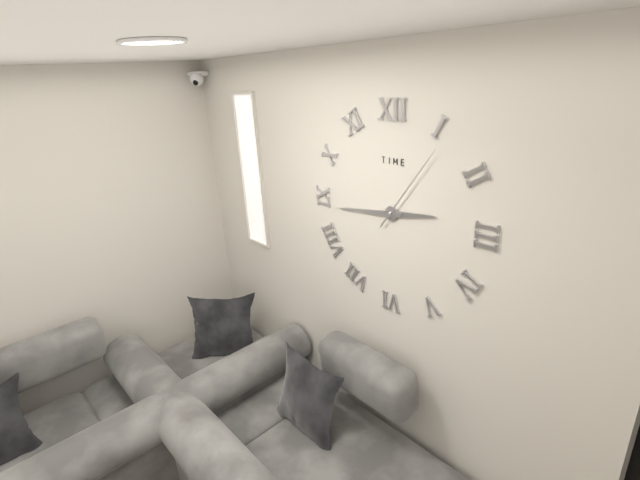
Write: 2:44:06
